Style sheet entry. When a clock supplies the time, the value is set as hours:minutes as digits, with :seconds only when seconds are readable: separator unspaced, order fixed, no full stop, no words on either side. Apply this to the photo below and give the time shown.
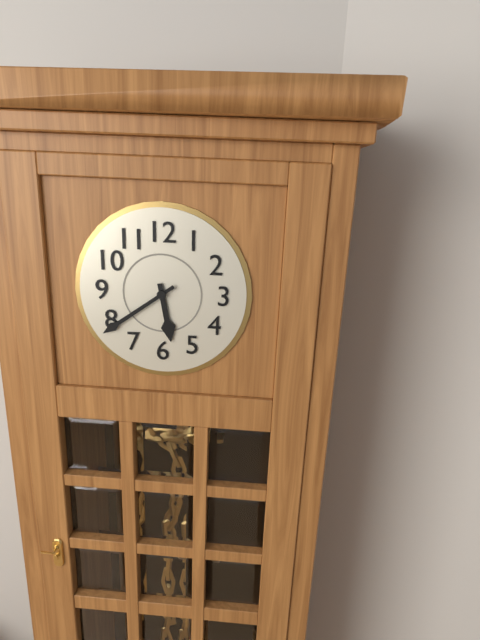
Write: 5:39
